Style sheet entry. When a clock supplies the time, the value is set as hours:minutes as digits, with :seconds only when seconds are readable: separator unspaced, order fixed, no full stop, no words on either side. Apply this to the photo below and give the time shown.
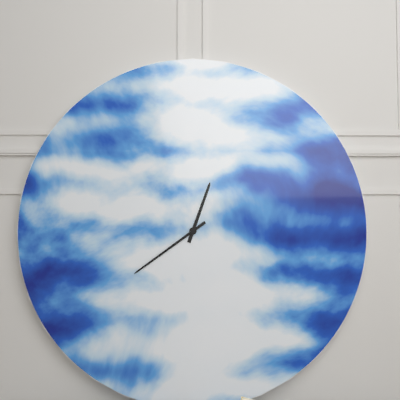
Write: 12:39
